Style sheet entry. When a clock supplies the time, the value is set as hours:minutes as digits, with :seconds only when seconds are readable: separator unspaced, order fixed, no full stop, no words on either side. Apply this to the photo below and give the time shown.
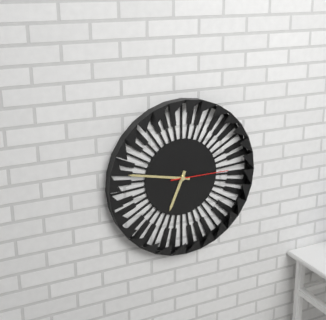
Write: 6:47:15
